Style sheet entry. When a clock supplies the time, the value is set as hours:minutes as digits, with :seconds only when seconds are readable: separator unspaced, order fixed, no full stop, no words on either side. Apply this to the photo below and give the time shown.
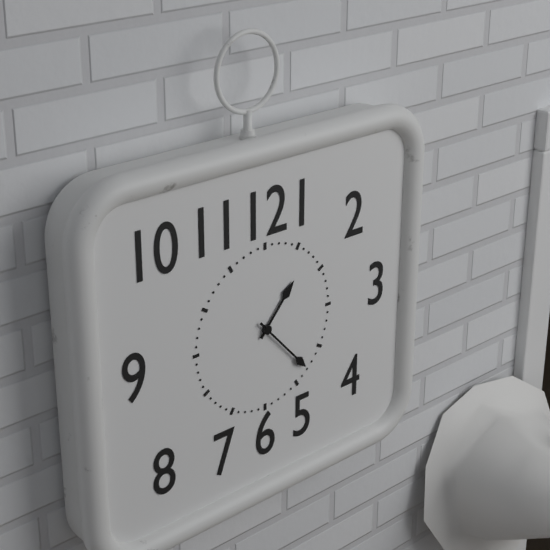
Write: 1:23
